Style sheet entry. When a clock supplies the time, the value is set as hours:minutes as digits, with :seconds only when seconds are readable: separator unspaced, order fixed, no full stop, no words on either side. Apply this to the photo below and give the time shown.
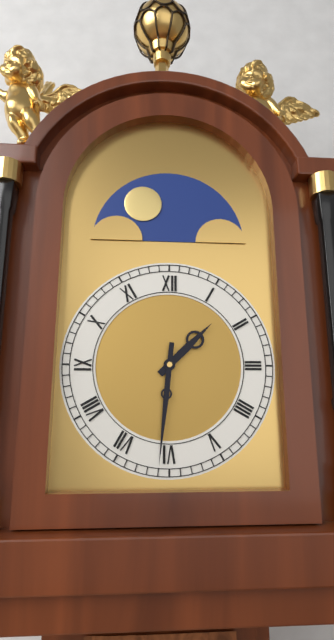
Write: 1:31
